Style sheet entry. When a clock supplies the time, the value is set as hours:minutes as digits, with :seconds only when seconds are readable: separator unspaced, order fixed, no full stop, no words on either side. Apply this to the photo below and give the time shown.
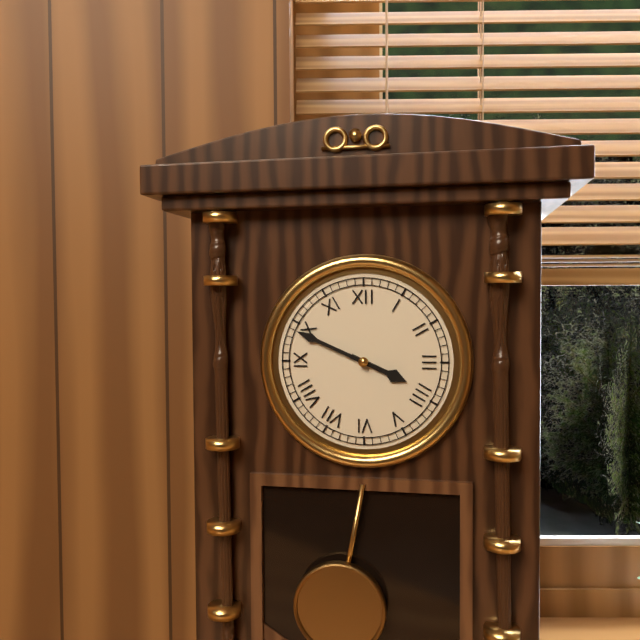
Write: 3:49
